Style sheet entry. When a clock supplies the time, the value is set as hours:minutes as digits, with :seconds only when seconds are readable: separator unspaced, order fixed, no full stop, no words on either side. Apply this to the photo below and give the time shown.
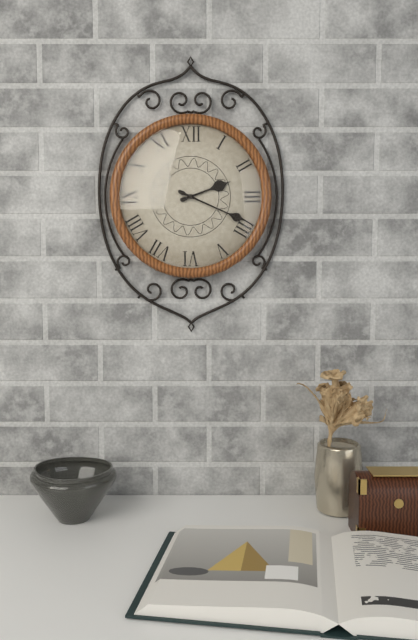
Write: 2:19
